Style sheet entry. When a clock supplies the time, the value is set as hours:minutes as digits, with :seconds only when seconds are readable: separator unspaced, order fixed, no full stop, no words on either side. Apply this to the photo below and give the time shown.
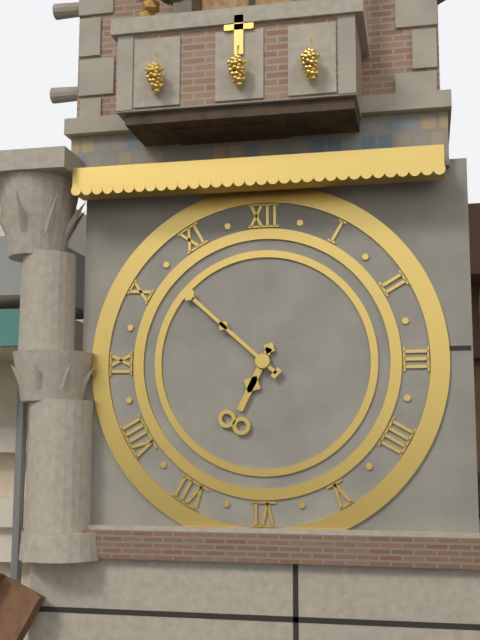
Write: 6:52
